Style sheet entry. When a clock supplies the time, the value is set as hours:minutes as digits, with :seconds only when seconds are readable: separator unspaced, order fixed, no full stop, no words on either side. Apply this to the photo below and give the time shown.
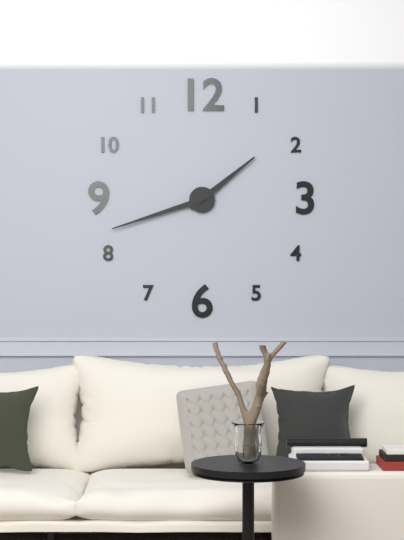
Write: 1:42
